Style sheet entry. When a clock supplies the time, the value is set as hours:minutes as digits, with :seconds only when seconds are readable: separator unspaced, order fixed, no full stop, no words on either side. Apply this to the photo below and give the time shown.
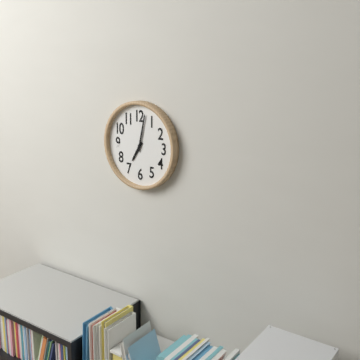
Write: 7:02
